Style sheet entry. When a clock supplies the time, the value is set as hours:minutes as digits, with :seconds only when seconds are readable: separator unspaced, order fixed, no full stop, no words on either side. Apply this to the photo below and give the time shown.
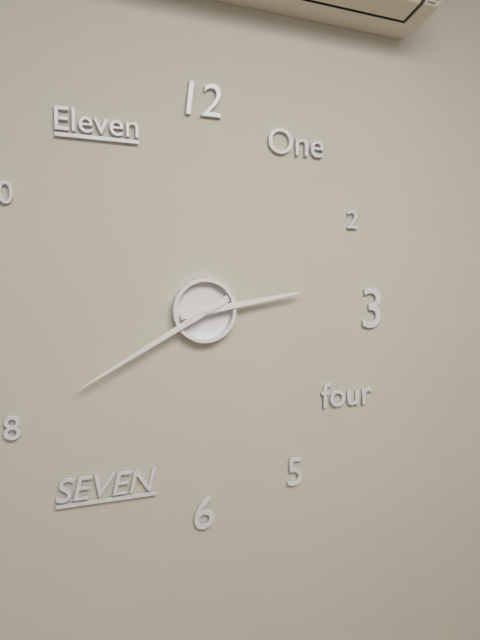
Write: 2:40
